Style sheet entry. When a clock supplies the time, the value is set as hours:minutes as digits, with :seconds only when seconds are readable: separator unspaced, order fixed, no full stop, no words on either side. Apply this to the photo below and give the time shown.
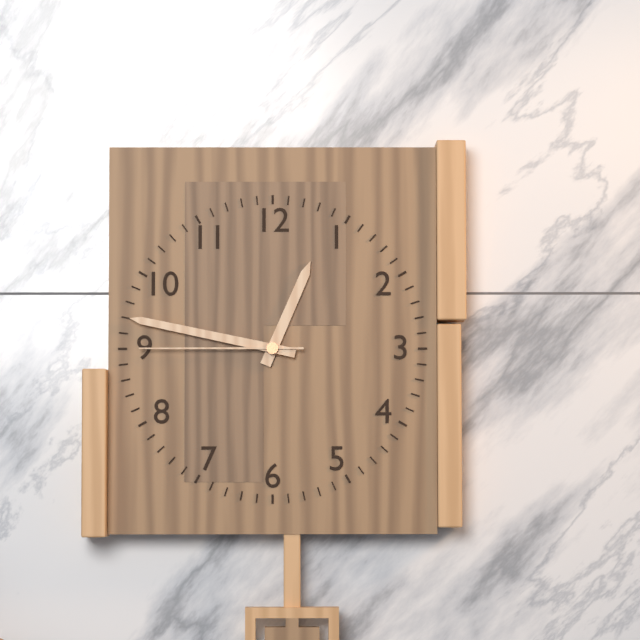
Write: 12:47:45
